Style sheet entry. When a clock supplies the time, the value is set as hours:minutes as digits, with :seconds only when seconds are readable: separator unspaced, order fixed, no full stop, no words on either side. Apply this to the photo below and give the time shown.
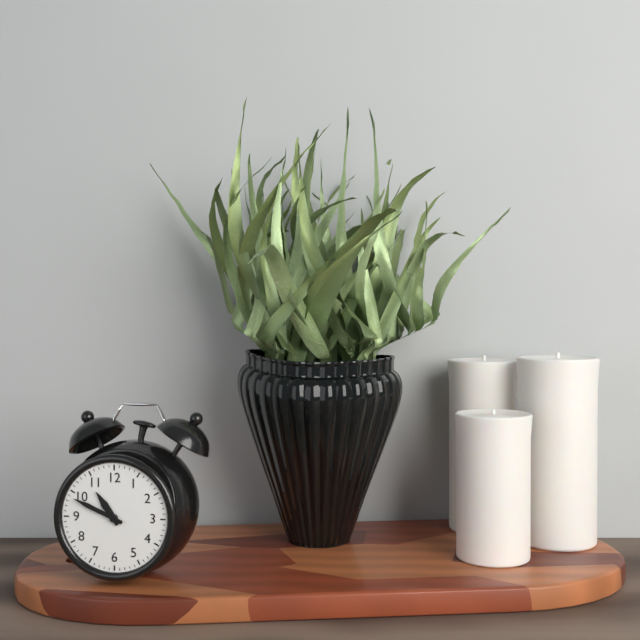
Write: 10:49
